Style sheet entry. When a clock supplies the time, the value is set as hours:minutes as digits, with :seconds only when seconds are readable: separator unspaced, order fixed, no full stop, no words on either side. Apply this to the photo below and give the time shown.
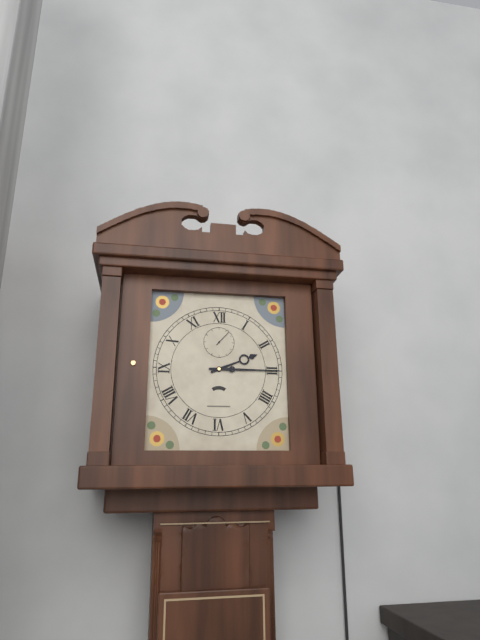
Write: 2:15
